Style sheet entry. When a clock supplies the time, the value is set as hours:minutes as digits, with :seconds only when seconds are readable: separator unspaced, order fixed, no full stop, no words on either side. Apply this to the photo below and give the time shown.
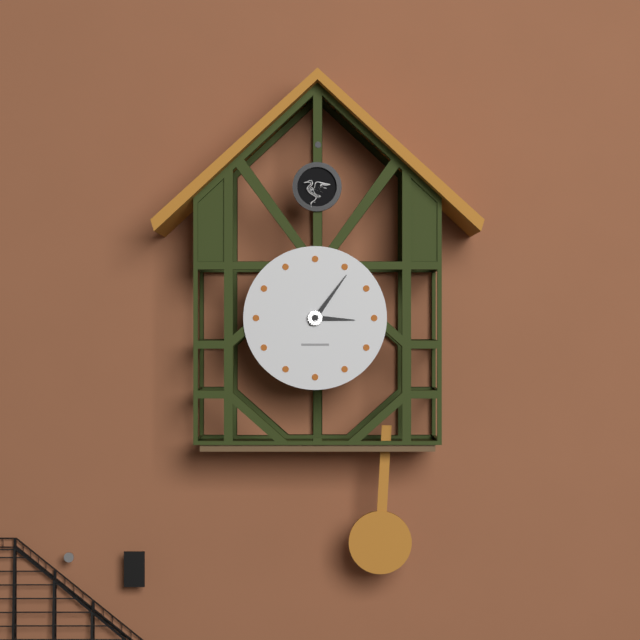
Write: 3:06
